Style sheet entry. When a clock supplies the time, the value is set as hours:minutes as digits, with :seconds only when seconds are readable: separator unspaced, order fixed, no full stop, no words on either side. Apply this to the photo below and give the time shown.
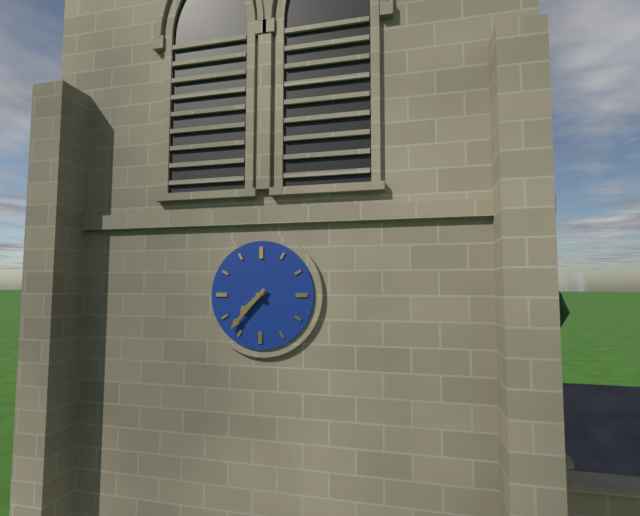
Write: 7:37
